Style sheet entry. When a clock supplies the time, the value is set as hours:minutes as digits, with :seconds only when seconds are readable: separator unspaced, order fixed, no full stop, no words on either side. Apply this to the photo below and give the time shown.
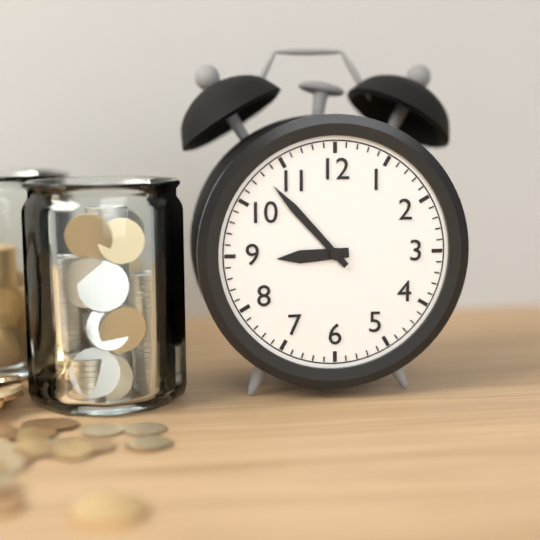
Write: 8:53
